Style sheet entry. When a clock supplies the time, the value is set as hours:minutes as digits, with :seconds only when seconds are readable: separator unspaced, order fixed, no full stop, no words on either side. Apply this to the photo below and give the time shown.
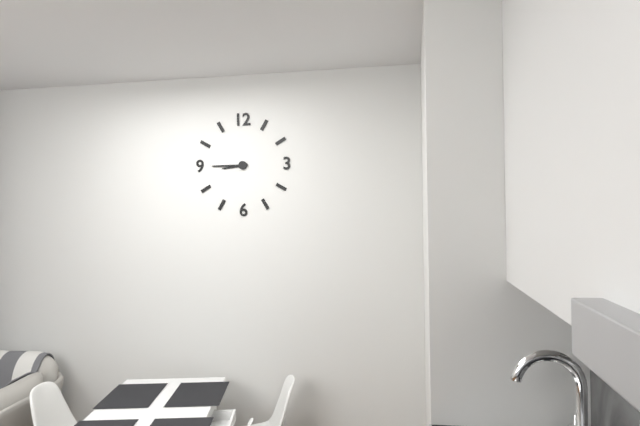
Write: 8:45
